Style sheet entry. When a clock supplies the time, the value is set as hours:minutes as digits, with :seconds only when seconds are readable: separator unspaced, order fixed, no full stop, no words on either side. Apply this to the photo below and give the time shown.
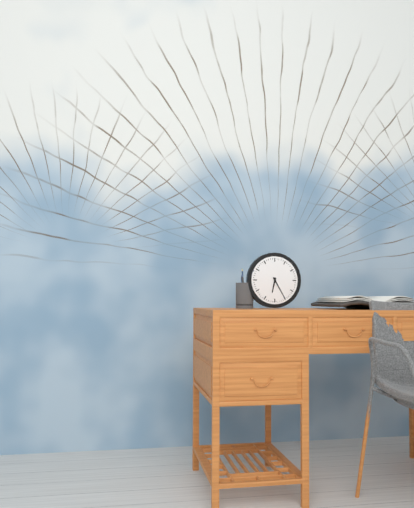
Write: 6:25
